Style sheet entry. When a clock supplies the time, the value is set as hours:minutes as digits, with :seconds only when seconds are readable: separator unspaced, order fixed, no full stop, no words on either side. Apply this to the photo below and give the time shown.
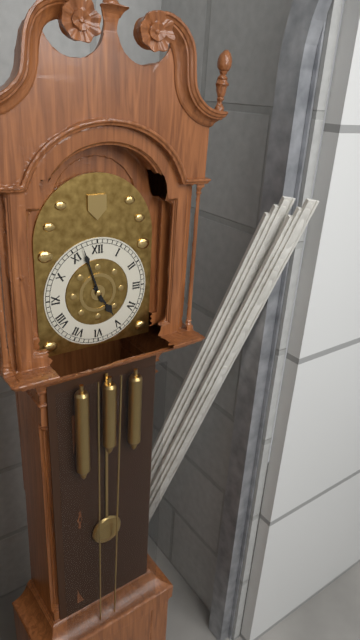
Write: 4:57
